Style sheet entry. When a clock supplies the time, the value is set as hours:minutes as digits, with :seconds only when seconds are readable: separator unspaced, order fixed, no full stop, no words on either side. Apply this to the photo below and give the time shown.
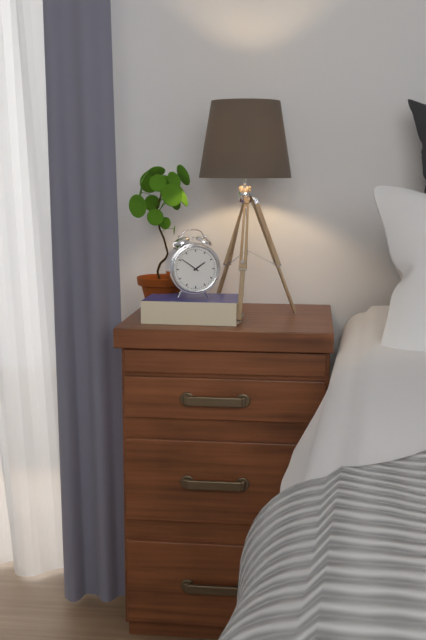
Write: 1:51
